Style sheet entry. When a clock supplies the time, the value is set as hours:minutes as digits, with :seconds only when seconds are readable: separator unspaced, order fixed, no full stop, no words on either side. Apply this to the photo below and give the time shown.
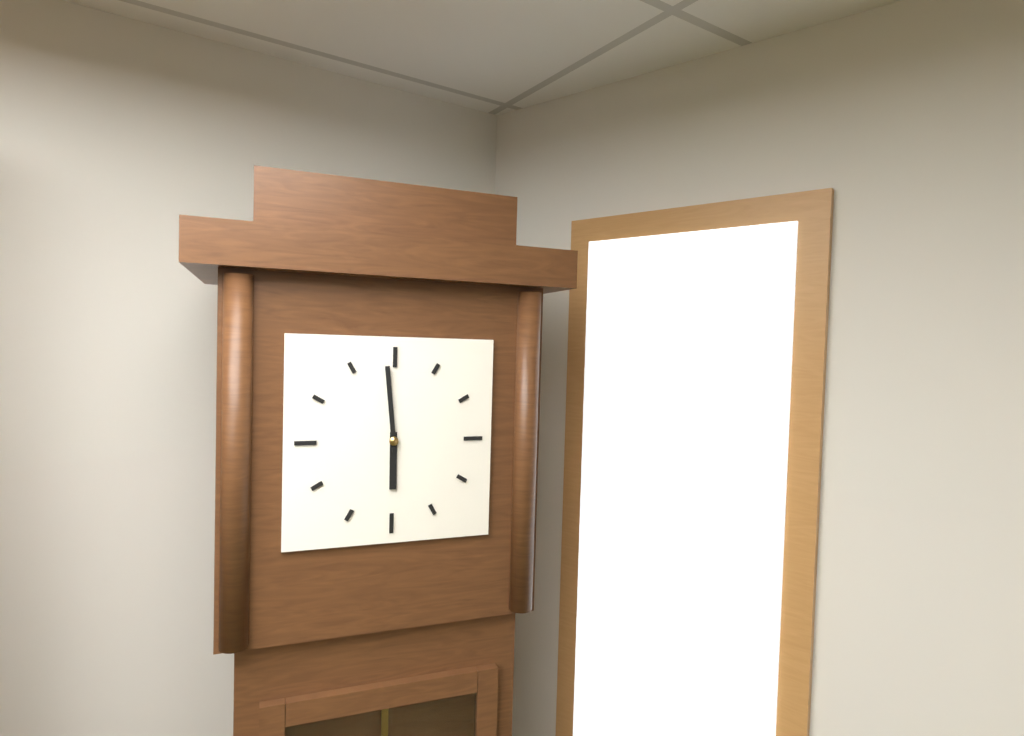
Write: 5:59
